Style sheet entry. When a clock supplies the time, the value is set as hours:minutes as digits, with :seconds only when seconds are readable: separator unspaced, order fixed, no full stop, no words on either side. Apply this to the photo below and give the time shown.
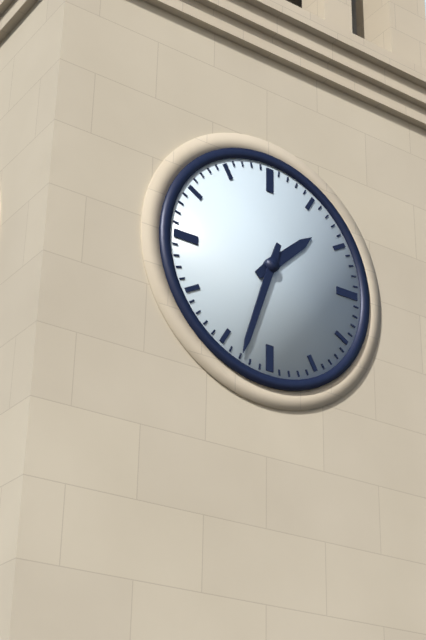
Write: 1:33
